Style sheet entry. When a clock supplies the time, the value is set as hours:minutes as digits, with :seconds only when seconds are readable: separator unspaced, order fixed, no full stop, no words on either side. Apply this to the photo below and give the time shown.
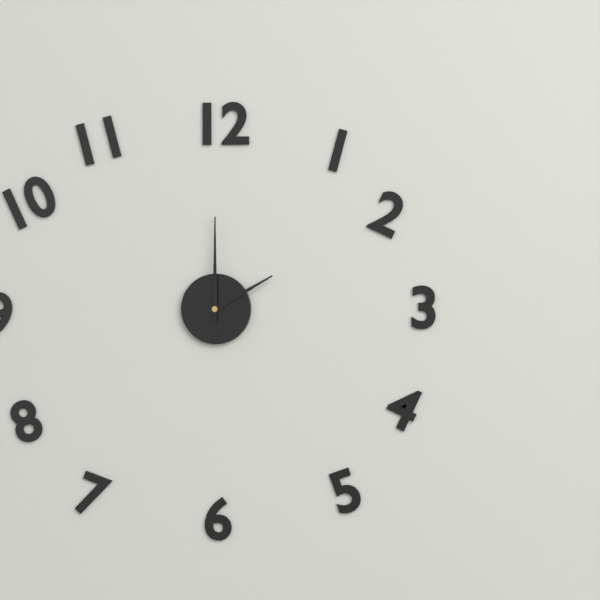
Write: 2:00
